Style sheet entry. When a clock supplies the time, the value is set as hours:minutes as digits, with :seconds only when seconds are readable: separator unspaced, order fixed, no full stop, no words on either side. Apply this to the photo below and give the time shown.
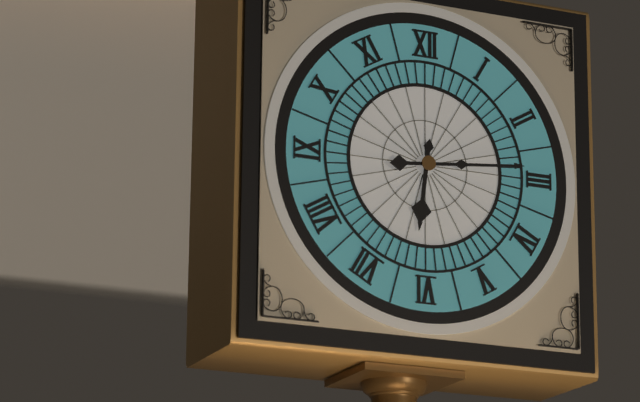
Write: 6:14
